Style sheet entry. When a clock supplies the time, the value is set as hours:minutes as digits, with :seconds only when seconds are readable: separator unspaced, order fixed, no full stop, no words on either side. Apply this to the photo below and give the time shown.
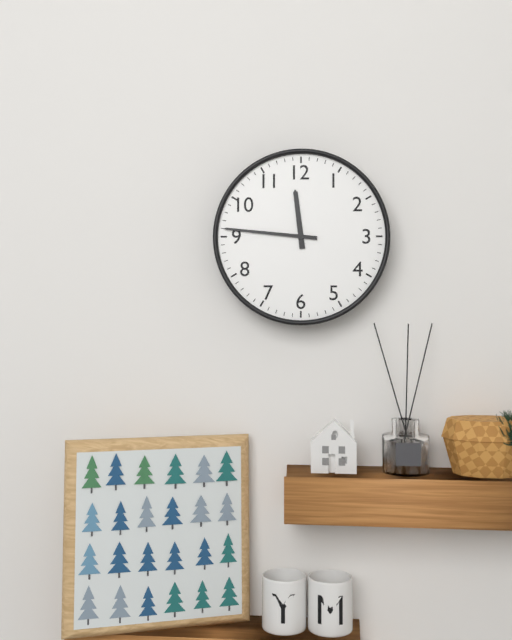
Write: 11:46
